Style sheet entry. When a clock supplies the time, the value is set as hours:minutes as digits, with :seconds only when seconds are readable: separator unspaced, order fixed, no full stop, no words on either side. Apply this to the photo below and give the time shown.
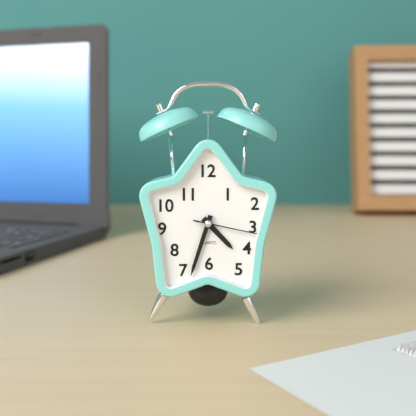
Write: 4:33:17
